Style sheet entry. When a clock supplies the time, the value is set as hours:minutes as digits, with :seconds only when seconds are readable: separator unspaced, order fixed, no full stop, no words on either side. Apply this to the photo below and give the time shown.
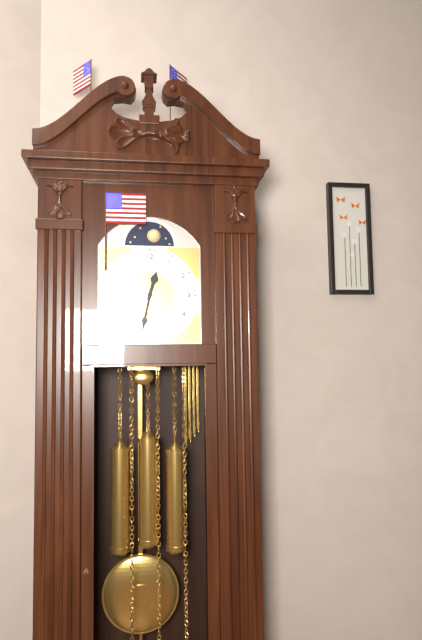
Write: 12:32
